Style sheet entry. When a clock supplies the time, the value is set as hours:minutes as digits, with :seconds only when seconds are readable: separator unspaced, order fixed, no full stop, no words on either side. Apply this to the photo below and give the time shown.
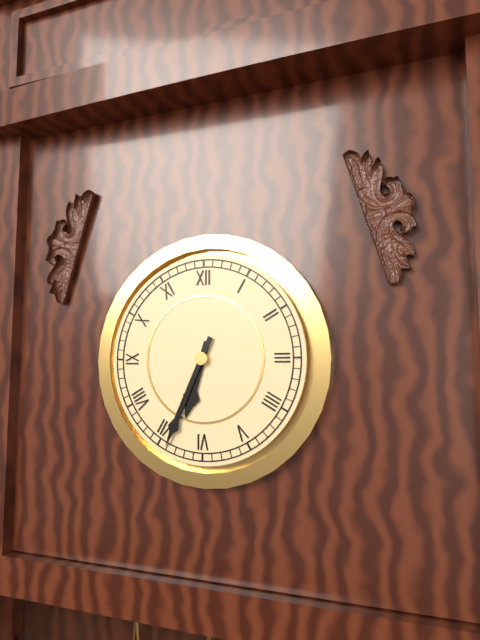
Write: 6:34
